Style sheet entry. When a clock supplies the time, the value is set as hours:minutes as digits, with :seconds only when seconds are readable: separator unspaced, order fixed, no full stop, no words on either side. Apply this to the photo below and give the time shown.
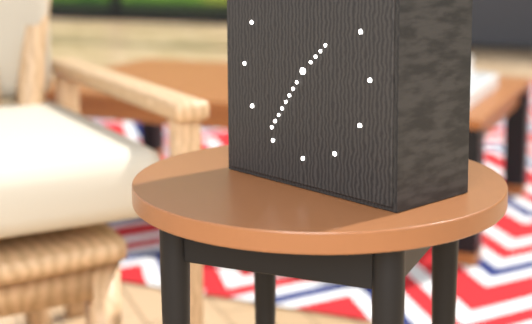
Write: 1:36
